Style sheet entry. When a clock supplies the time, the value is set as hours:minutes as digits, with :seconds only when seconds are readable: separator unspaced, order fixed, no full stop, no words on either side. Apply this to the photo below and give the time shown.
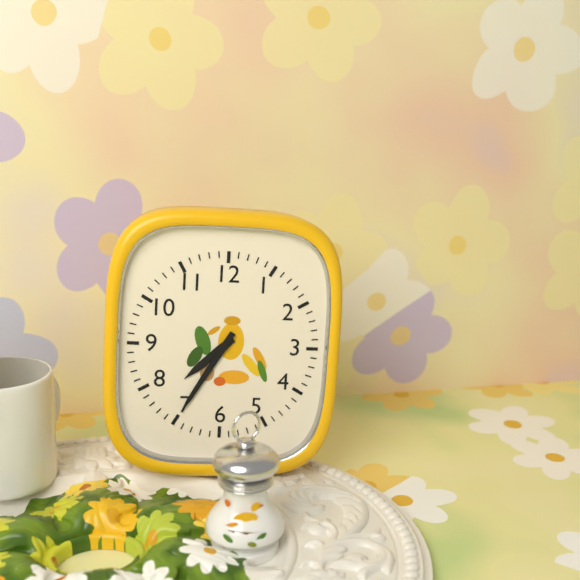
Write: 7:35
